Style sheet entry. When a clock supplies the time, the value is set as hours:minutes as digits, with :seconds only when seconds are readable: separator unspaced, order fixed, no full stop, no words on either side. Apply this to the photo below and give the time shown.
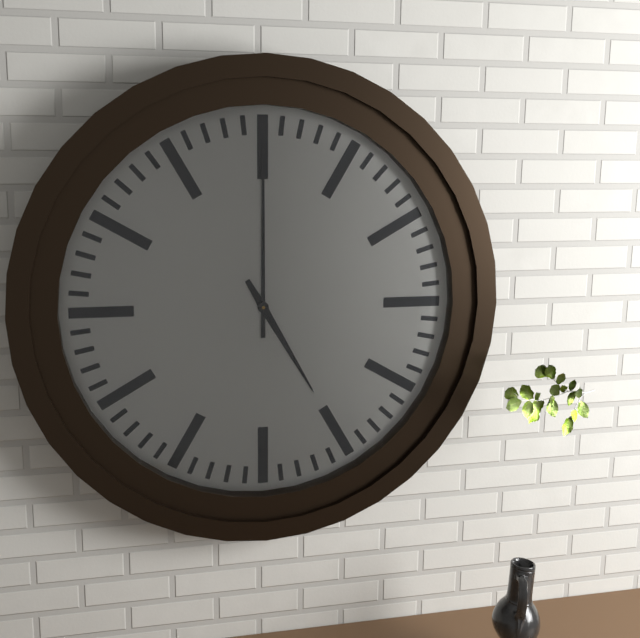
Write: 5:00
